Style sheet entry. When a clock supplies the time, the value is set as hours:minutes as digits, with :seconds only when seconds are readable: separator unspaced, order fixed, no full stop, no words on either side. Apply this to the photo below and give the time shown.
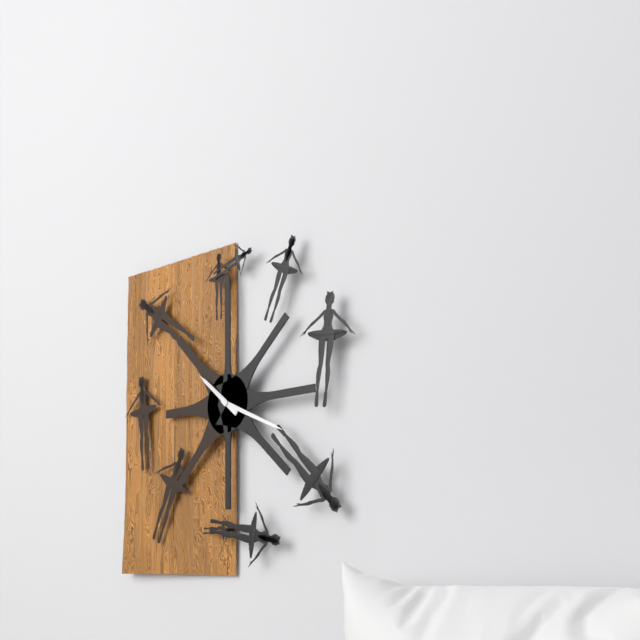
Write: 10:19
